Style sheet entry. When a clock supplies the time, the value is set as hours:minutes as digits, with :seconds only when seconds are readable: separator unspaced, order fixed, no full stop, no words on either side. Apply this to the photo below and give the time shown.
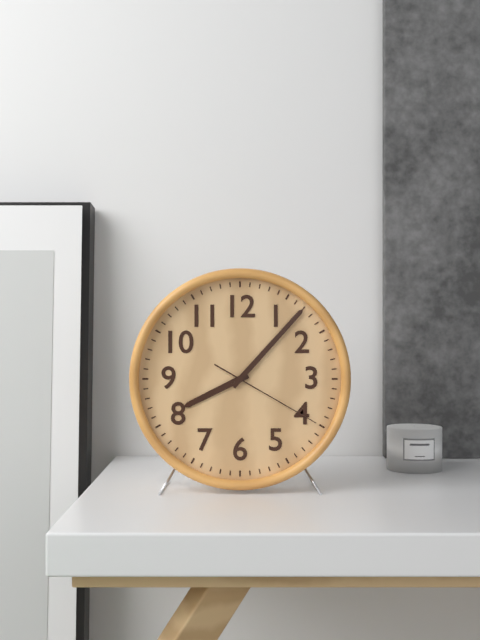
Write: 8:07:20
